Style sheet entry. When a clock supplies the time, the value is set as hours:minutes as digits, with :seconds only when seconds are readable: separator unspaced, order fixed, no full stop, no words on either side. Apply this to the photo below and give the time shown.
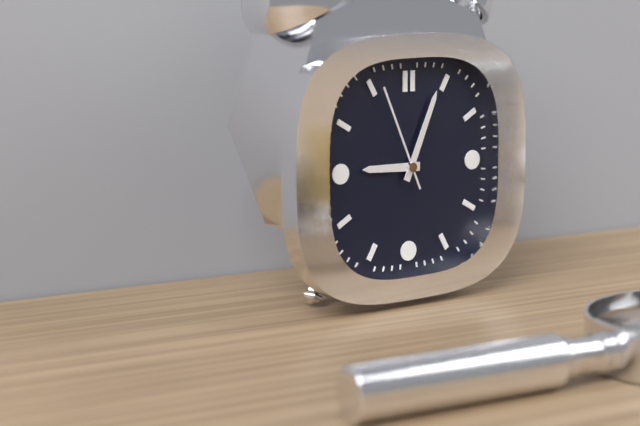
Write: 9:04:56
